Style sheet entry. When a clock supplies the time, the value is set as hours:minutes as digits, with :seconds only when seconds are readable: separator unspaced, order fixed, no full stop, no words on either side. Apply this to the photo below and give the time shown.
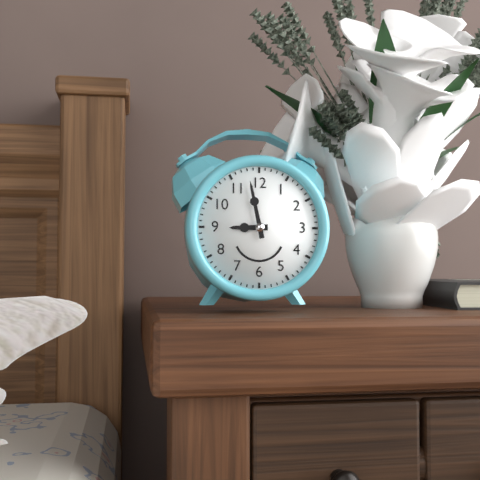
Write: 8:58
